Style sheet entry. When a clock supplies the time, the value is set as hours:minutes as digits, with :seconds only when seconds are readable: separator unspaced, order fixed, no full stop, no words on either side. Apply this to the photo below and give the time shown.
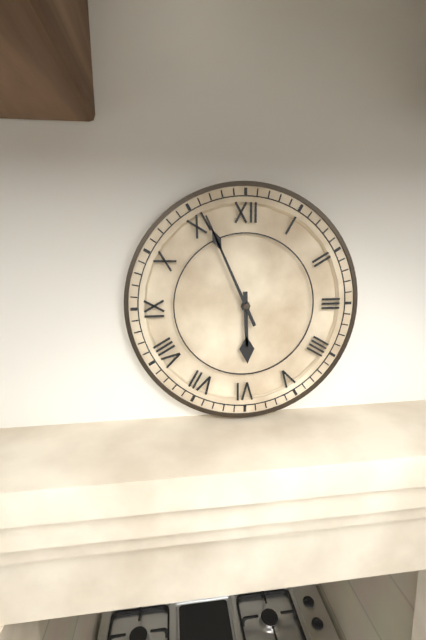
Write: 5:56
